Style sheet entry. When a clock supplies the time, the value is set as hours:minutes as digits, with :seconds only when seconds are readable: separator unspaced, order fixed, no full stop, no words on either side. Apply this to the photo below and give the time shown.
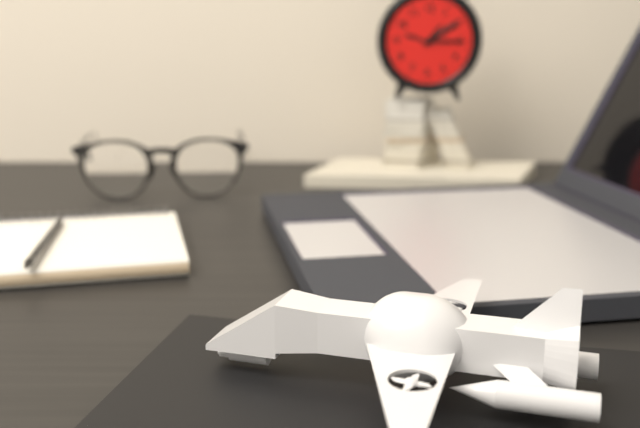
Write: 1:15
